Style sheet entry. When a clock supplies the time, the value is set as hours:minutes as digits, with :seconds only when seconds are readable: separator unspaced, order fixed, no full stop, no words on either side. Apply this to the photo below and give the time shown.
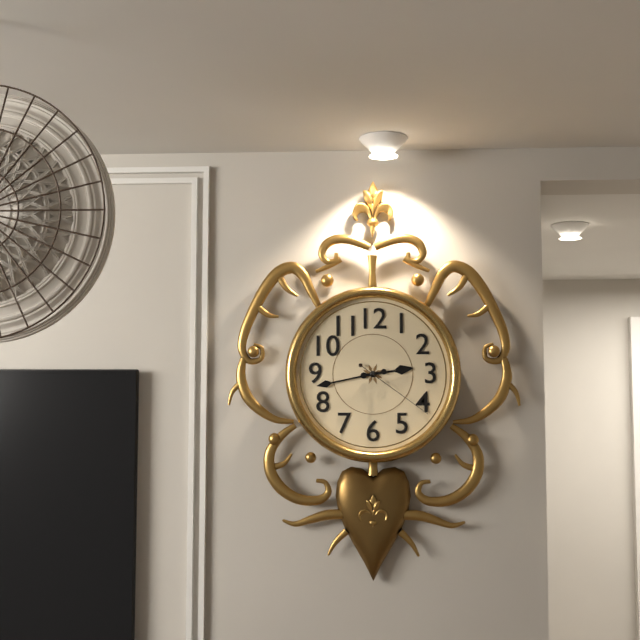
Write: 2:43:21
